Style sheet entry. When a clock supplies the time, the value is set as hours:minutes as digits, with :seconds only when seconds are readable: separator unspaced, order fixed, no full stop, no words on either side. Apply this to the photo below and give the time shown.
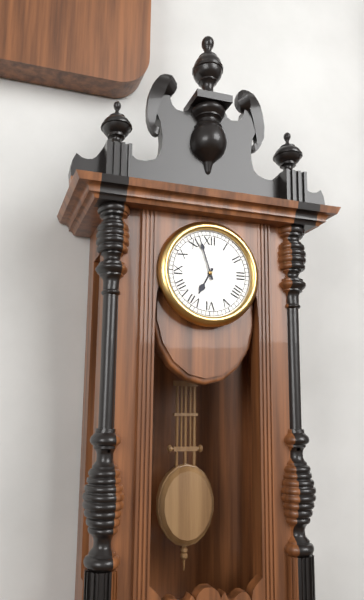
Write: 6:57
